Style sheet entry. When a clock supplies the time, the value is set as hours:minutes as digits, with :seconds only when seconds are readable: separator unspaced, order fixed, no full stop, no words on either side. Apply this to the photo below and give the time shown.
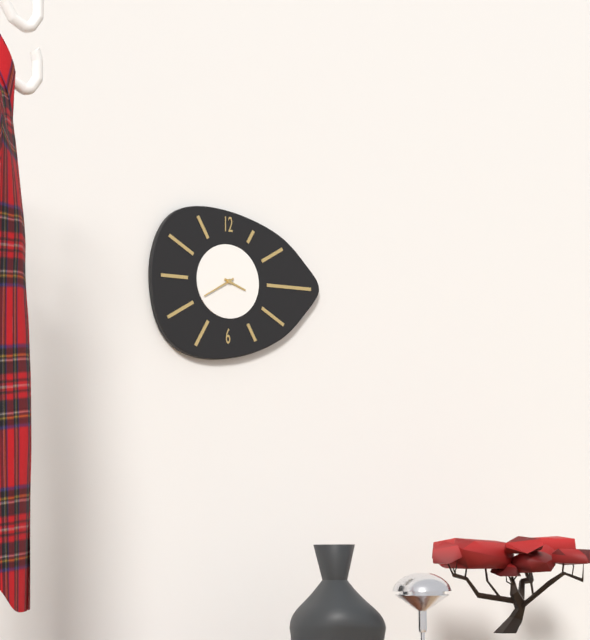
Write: 3:40
